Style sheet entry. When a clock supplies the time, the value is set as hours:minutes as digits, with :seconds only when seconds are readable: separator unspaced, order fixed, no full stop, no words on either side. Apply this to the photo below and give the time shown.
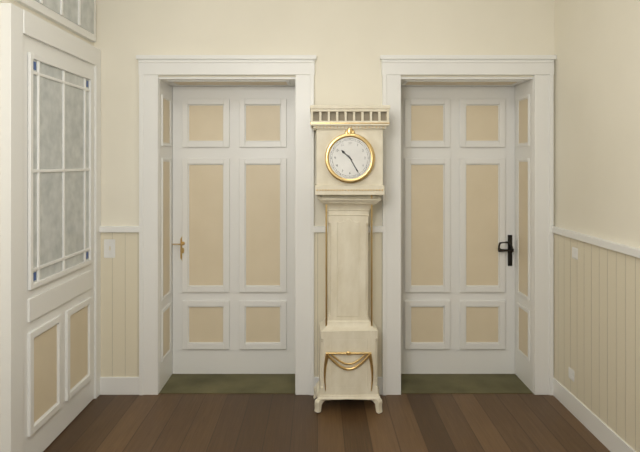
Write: 10:25
